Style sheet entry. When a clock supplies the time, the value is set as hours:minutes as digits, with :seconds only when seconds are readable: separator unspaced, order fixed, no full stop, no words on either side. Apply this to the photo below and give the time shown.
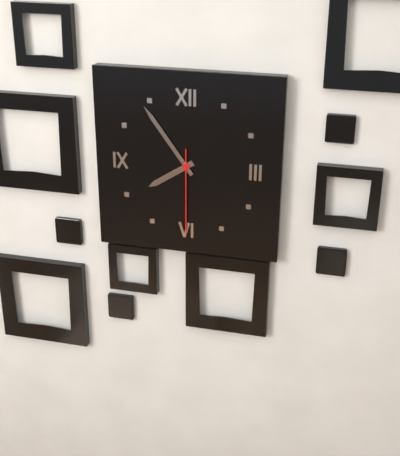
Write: 7:54:30
